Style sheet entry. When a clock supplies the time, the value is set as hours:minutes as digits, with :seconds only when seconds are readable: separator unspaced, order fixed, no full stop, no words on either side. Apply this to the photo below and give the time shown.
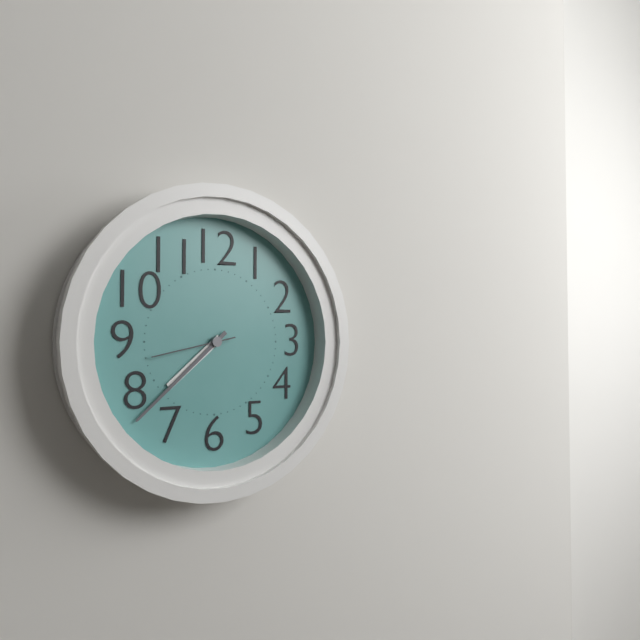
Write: 7:38:43
